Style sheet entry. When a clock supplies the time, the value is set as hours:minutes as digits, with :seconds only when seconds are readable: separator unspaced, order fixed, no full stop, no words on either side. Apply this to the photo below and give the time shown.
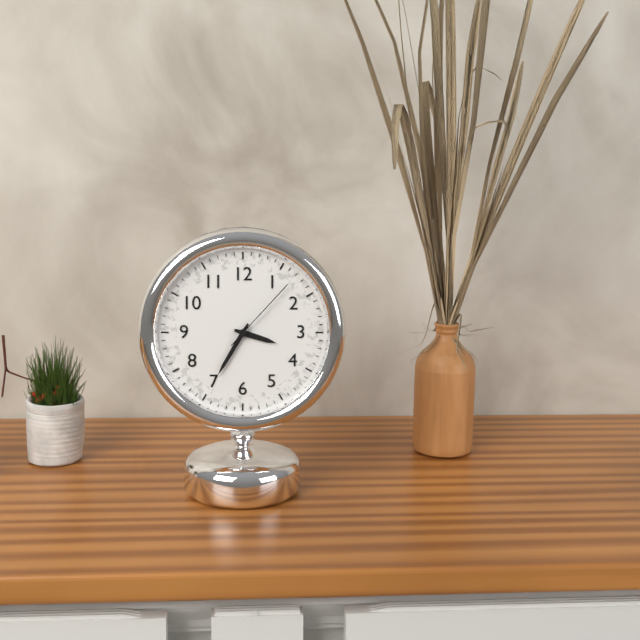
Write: 3:35:07
